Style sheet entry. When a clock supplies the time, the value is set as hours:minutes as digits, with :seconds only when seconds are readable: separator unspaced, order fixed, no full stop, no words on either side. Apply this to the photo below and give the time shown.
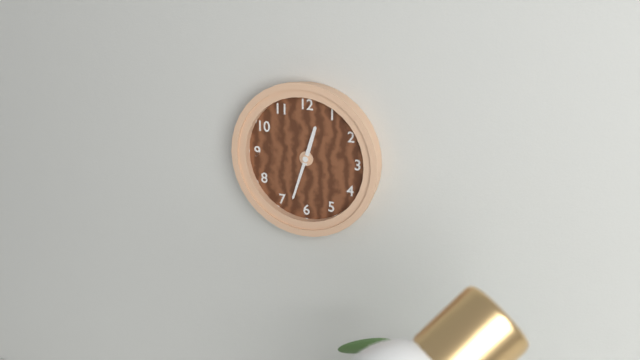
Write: 12:33
